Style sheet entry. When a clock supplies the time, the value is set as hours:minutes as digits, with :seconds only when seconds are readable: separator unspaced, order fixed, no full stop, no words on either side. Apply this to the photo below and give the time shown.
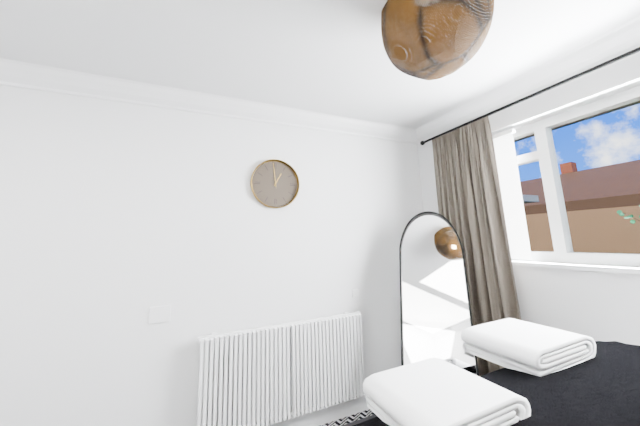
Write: 12:59
